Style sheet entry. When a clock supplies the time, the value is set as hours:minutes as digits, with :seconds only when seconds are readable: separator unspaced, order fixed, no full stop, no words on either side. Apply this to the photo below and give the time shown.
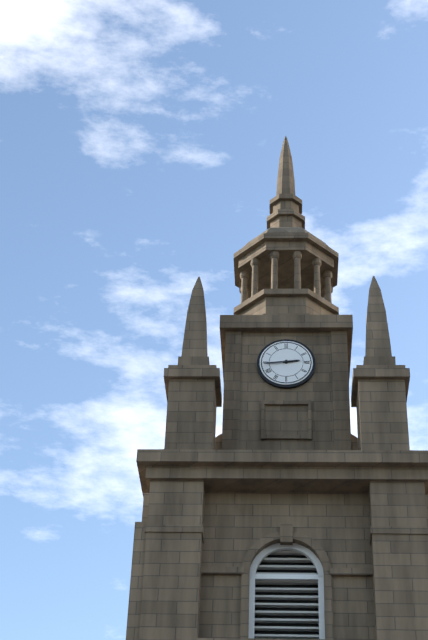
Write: 2:44
